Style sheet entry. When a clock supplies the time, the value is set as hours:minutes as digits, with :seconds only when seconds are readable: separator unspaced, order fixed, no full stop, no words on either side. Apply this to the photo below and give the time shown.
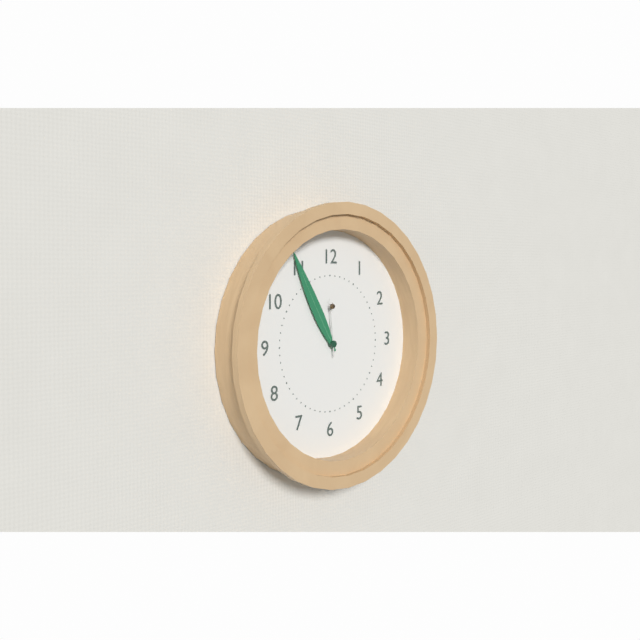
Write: 10:55:59
